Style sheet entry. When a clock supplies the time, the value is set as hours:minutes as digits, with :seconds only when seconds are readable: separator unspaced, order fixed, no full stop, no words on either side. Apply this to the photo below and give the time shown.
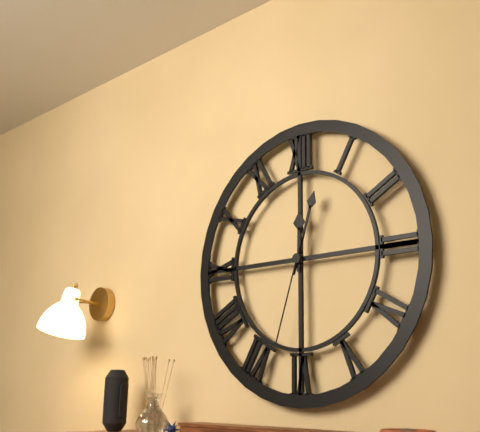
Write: 12:03:33
